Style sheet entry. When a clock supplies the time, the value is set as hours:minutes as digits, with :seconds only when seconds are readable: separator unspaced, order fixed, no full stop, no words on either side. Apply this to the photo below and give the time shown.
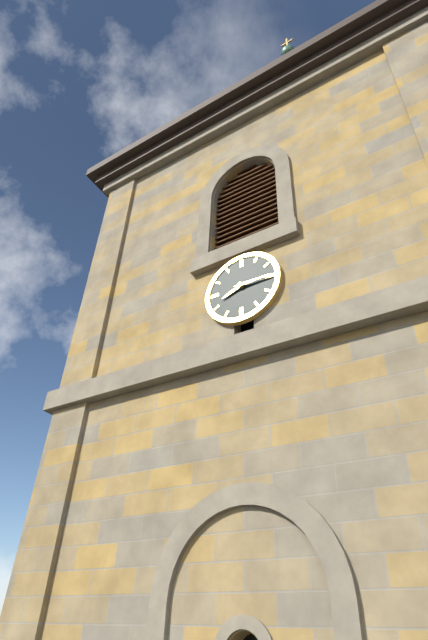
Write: 8:15
